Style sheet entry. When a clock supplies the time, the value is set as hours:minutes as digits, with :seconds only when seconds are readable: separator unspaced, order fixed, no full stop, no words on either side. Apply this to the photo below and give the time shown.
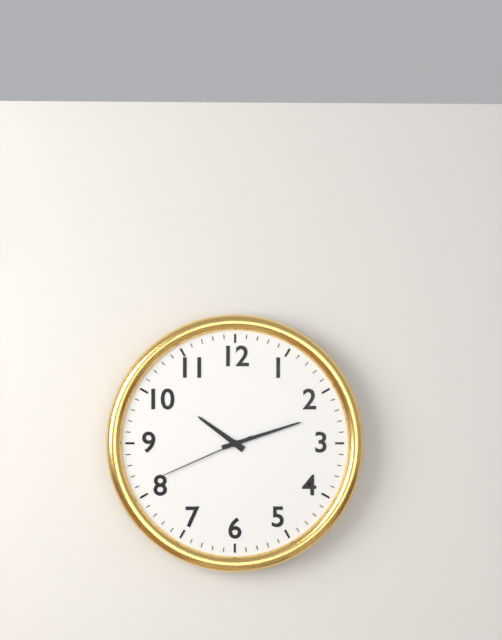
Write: 10:12:41
